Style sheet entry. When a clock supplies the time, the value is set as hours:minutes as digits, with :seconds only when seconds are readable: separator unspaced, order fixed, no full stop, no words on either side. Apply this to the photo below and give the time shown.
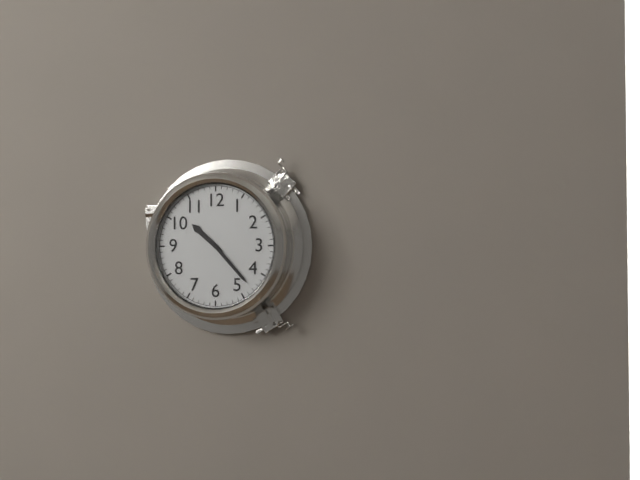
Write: 10:23
